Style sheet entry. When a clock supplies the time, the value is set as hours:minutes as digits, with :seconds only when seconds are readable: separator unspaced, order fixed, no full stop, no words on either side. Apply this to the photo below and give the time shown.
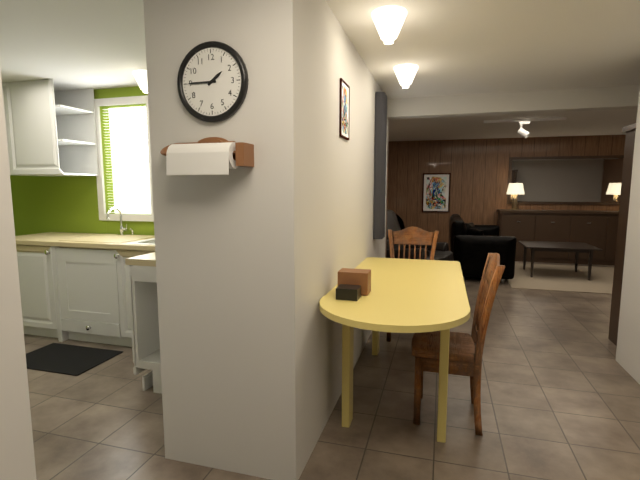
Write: 1:45
